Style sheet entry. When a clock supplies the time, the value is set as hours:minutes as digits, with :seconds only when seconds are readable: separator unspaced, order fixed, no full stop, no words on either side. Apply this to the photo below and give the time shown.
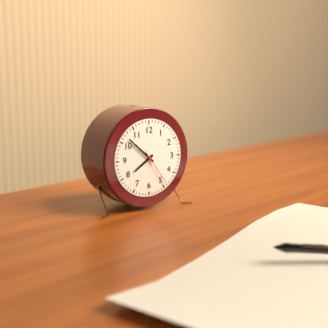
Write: 7:52
